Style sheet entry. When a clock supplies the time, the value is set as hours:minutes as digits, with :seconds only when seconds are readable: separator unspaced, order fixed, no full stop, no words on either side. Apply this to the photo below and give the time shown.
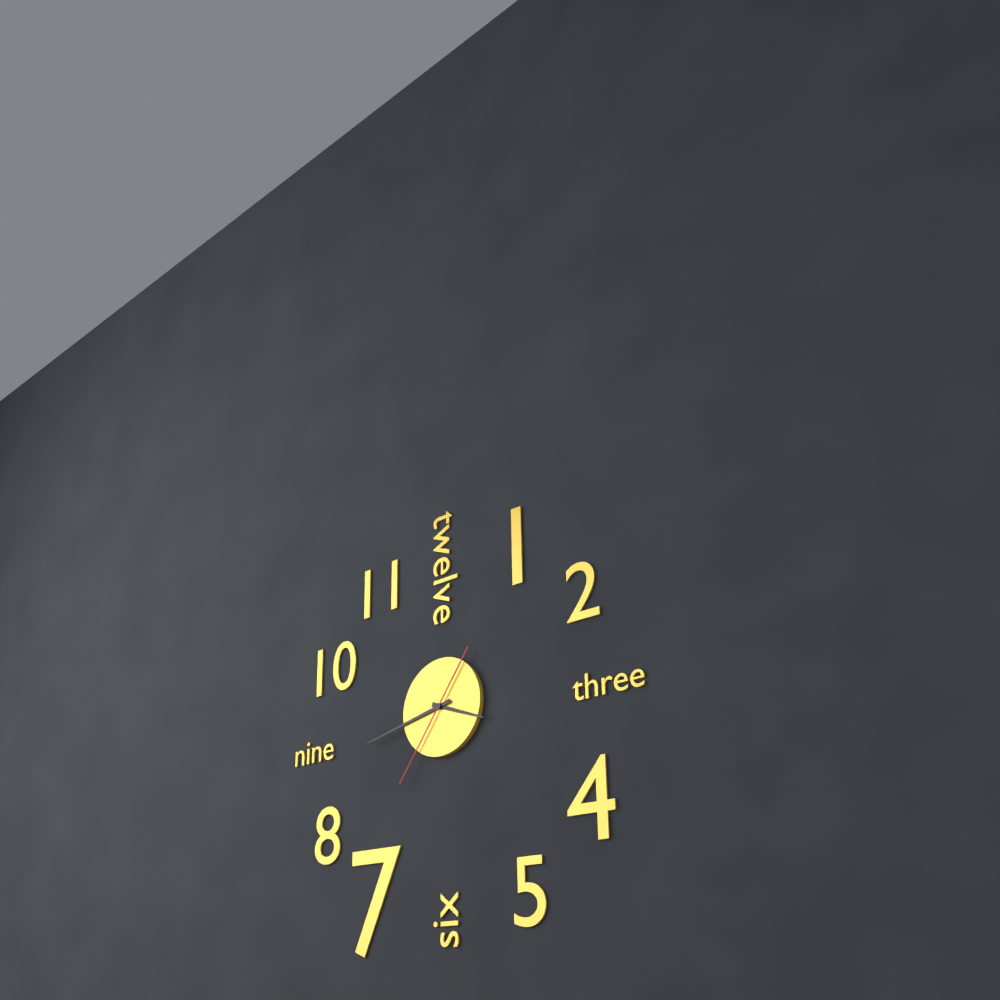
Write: 3:43:36
